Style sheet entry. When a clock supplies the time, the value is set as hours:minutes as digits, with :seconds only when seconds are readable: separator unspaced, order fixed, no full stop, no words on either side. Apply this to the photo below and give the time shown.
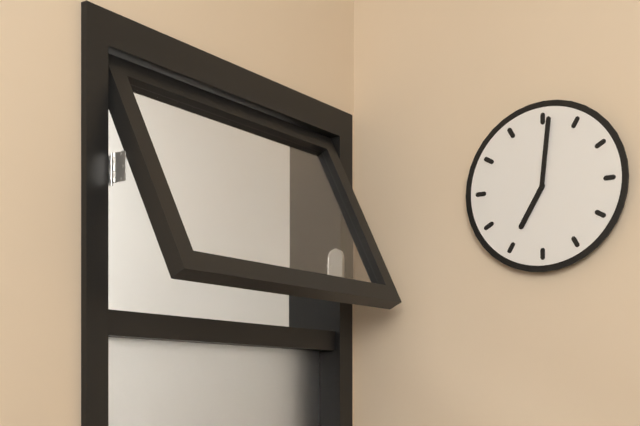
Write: 7:01
